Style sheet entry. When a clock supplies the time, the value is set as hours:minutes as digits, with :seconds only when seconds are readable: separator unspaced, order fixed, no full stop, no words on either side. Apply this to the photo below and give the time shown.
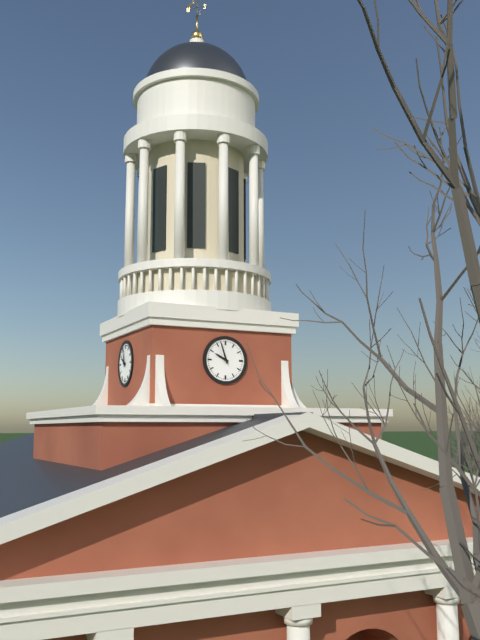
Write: 9:57
